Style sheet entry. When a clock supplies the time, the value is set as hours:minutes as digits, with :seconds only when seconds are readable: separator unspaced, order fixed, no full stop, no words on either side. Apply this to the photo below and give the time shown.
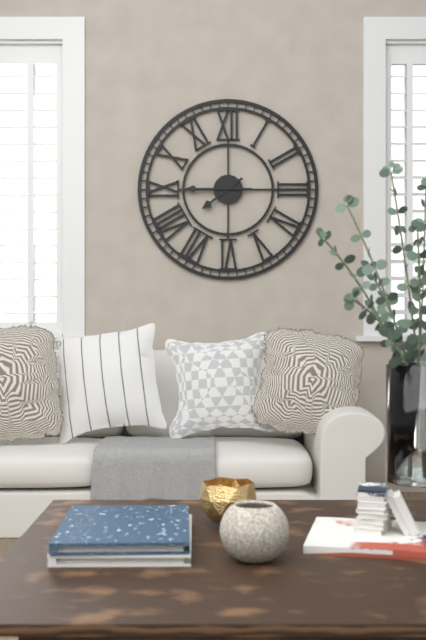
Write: 7:45
